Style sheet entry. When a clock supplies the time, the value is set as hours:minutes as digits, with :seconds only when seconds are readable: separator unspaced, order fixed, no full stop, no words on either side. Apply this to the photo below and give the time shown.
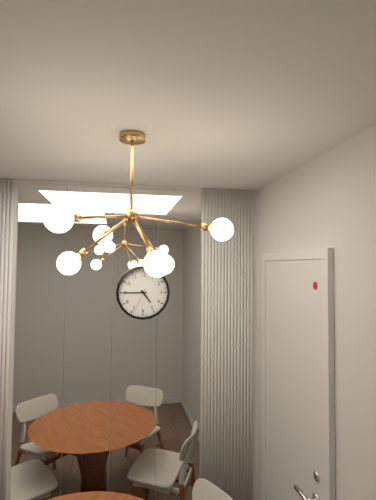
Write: 4:45
